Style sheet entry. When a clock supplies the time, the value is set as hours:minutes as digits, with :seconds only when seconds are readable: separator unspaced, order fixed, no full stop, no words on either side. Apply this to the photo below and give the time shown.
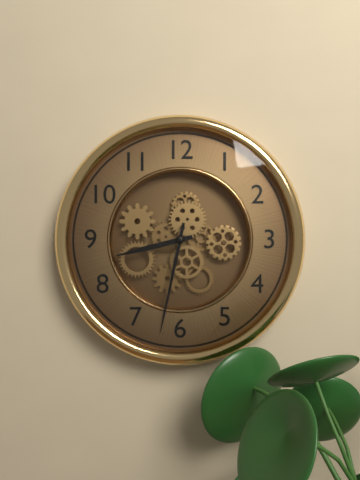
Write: 8:32
